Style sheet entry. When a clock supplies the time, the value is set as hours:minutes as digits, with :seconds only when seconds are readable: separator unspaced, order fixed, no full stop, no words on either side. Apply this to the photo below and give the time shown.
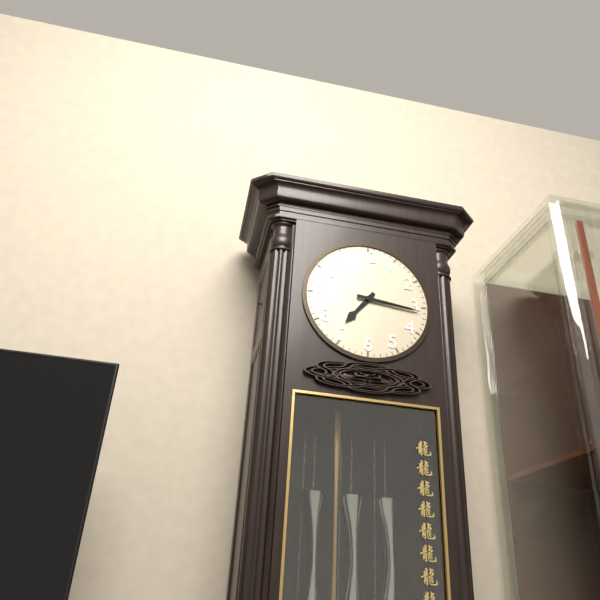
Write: 7:16
